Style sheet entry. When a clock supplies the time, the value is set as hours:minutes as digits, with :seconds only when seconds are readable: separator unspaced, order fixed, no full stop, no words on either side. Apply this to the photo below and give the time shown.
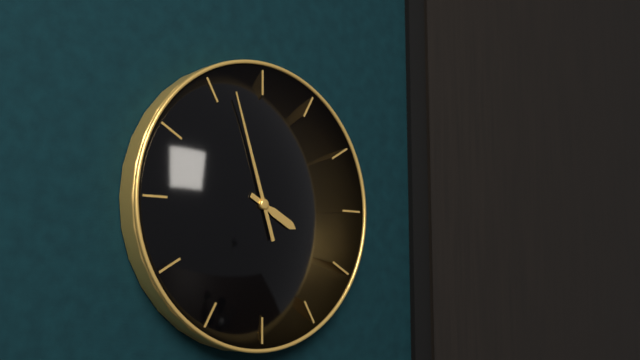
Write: 3:57
